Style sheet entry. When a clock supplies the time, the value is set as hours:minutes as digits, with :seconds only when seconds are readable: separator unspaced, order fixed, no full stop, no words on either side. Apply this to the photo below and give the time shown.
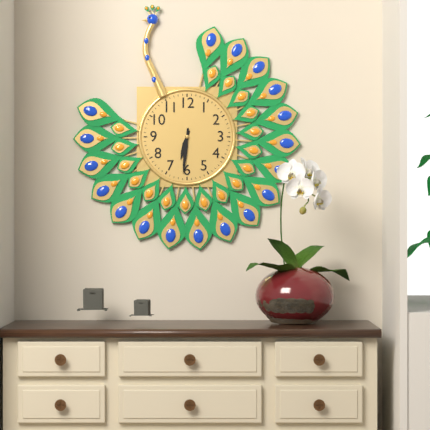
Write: 6:31
